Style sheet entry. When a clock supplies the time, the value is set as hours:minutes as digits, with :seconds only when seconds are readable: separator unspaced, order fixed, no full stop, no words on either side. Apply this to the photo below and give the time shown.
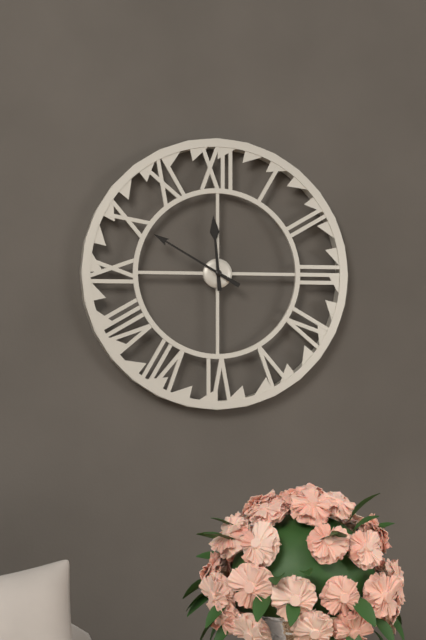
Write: 11:50
